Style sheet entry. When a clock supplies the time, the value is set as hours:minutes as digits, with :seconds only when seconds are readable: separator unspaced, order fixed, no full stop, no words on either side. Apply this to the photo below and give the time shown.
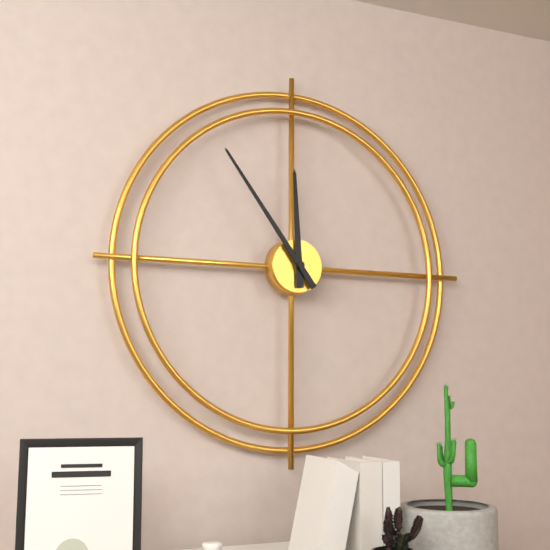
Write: 11:54
